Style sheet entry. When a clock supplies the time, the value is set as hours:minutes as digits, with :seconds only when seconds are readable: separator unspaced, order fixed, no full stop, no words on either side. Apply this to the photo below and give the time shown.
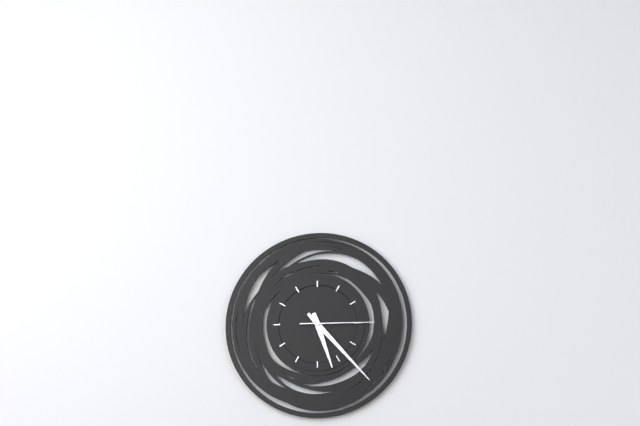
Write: 5:23:15
